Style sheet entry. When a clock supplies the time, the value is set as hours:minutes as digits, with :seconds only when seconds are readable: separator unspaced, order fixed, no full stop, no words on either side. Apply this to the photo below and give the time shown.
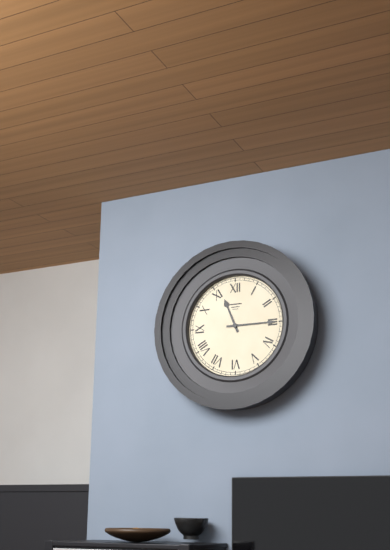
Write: 11:15
